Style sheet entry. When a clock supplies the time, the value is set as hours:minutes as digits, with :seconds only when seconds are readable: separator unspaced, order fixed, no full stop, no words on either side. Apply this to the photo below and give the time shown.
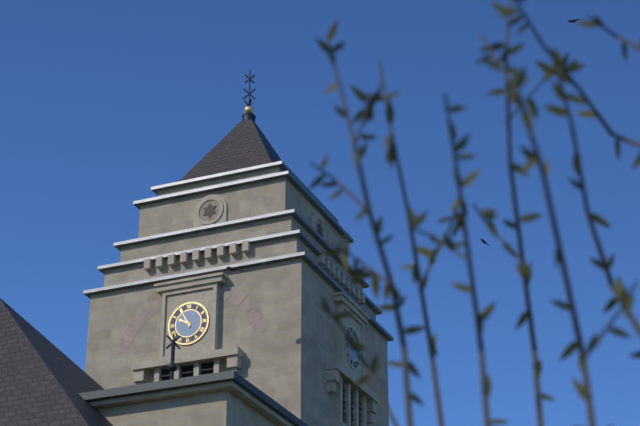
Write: 9:55
